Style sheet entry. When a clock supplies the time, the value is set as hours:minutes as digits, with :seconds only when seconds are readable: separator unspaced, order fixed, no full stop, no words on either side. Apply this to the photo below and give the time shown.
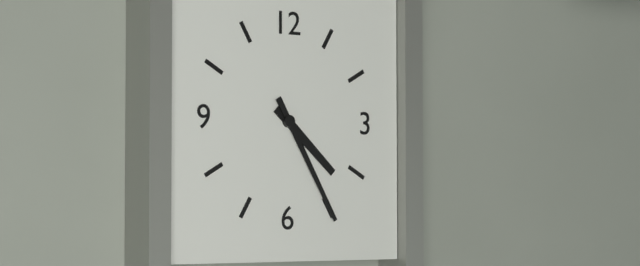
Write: 4:25
